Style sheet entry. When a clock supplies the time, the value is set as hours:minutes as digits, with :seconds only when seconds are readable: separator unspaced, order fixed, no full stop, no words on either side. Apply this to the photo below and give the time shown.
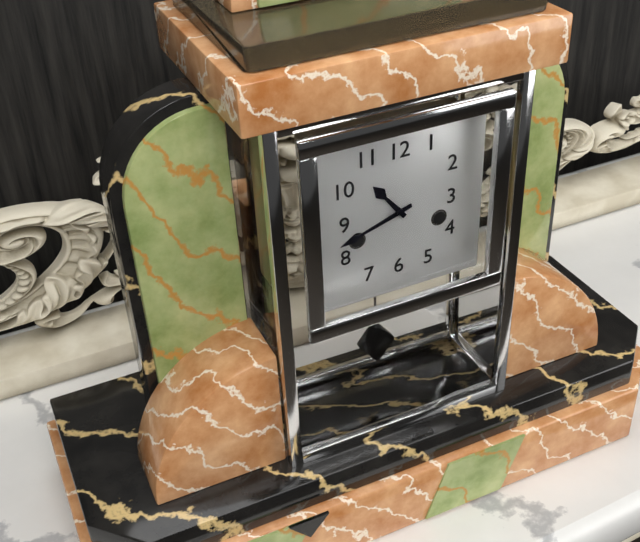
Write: 10:42
